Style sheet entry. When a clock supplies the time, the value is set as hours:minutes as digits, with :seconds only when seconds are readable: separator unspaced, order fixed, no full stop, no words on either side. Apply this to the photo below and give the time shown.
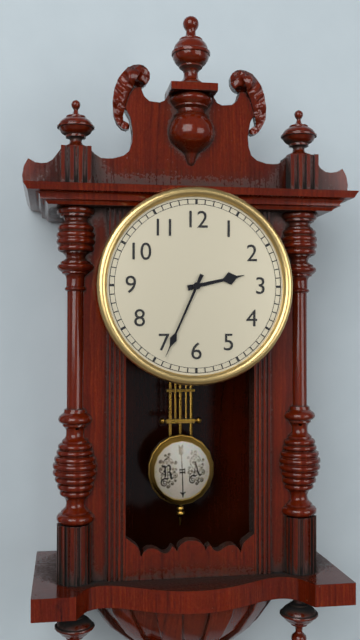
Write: 2:34
